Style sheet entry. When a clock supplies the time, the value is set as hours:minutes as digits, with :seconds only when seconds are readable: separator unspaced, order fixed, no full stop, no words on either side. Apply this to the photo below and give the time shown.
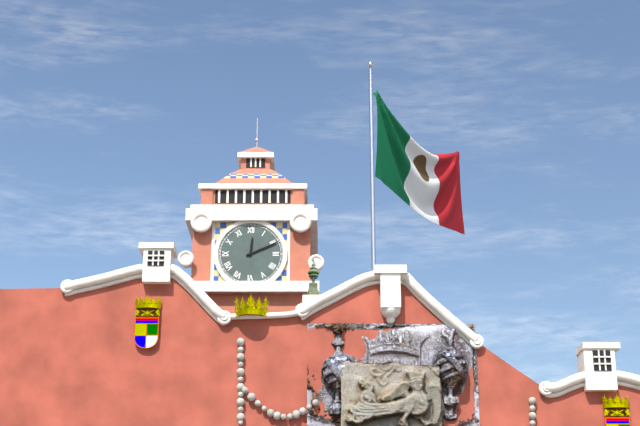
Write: 12:11
